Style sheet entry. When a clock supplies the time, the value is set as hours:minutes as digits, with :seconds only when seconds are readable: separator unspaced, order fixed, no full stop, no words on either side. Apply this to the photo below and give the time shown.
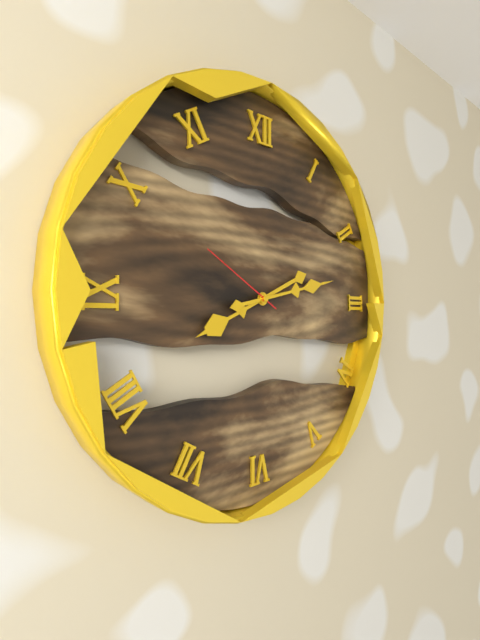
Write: 8:13:50
